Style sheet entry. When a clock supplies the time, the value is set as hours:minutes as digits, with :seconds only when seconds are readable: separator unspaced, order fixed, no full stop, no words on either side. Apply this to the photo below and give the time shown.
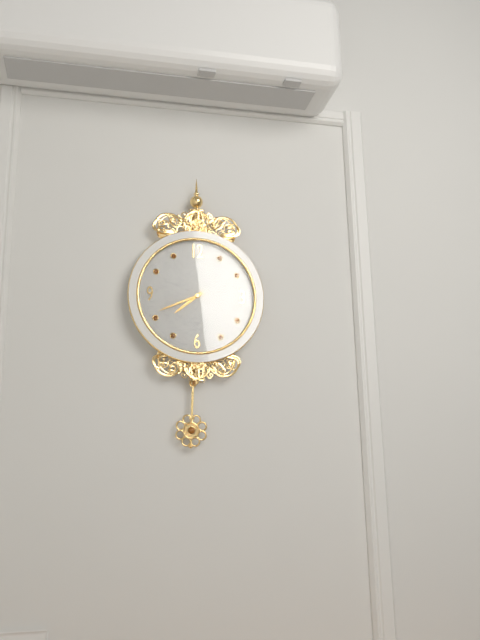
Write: 7:41
